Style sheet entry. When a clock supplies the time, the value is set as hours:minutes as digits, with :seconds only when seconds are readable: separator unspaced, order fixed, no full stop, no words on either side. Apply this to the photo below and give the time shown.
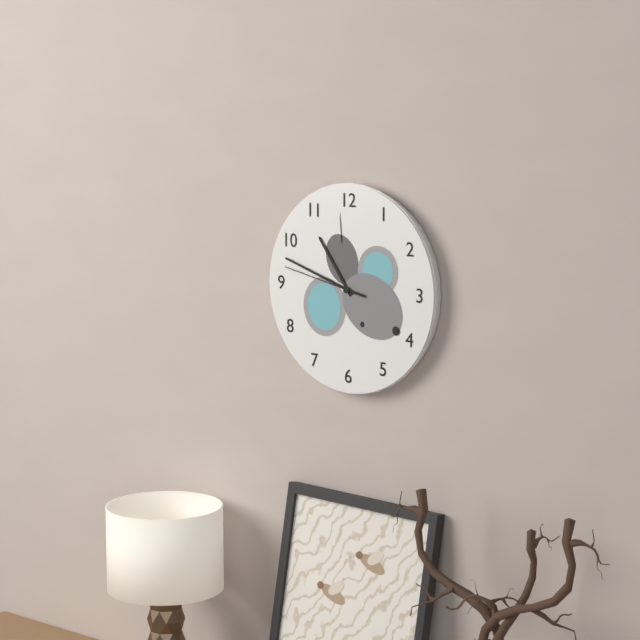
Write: 10:48:47
